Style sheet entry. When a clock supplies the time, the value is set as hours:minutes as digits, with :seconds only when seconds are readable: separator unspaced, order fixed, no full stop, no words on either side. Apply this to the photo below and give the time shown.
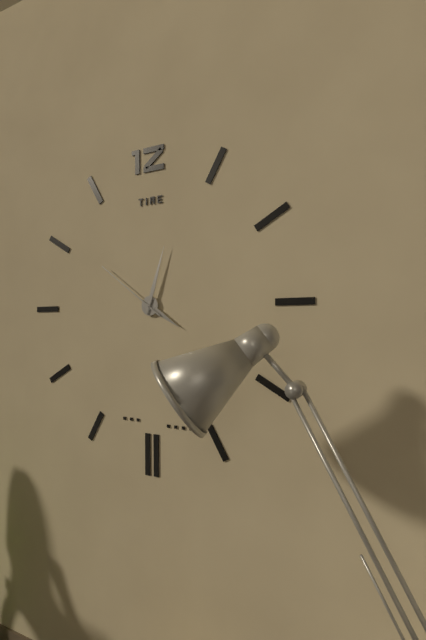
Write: 4:03:51
